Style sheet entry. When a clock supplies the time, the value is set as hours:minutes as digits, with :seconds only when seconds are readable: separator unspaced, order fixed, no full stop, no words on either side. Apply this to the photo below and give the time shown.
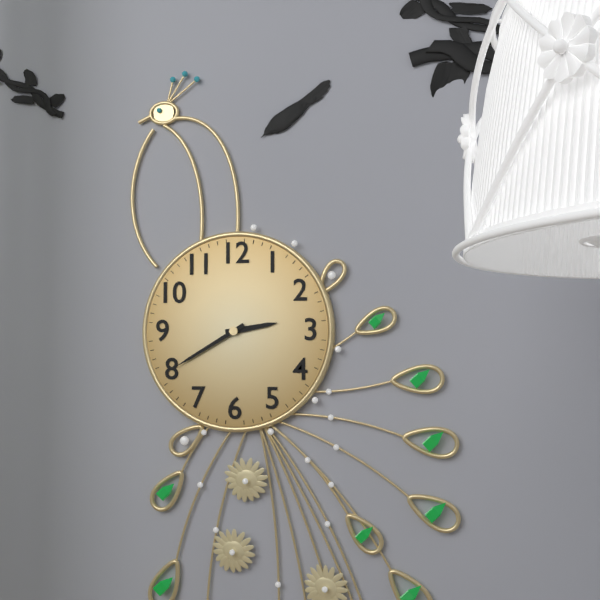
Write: 2:40
